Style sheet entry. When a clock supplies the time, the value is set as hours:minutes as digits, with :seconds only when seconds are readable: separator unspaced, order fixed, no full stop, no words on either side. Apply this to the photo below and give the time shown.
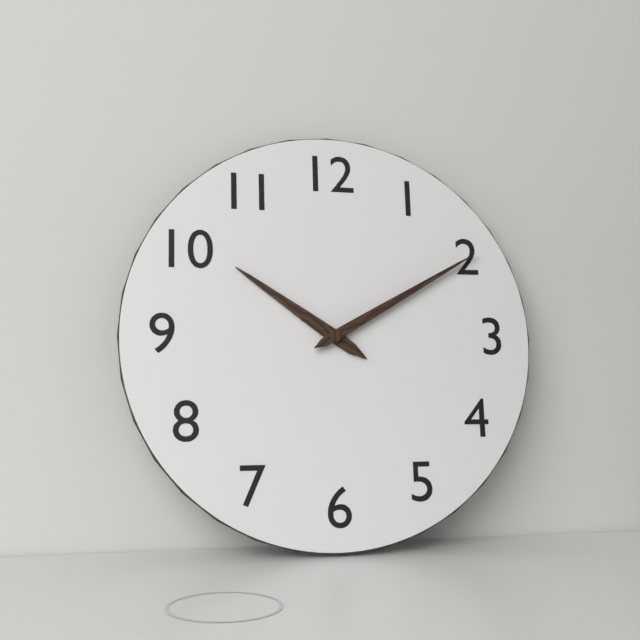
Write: 10:10
